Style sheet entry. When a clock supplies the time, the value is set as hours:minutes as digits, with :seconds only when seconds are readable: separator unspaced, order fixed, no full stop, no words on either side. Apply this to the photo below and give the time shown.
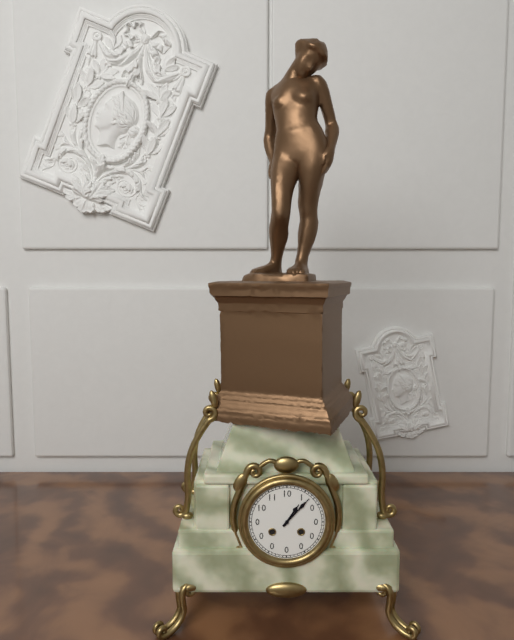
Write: 1:07
